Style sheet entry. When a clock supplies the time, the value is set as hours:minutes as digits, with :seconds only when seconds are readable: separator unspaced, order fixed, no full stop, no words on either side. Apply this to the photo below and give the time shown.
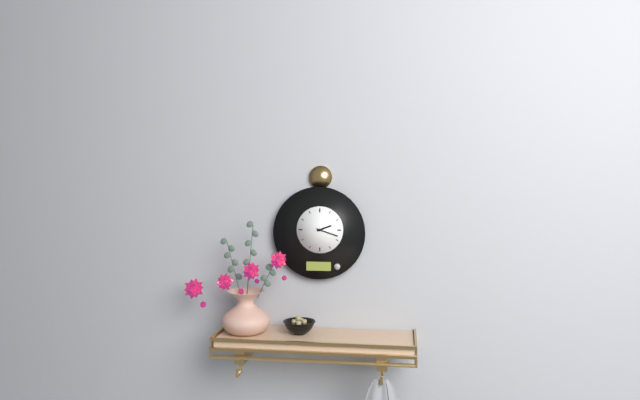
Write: 2:18
